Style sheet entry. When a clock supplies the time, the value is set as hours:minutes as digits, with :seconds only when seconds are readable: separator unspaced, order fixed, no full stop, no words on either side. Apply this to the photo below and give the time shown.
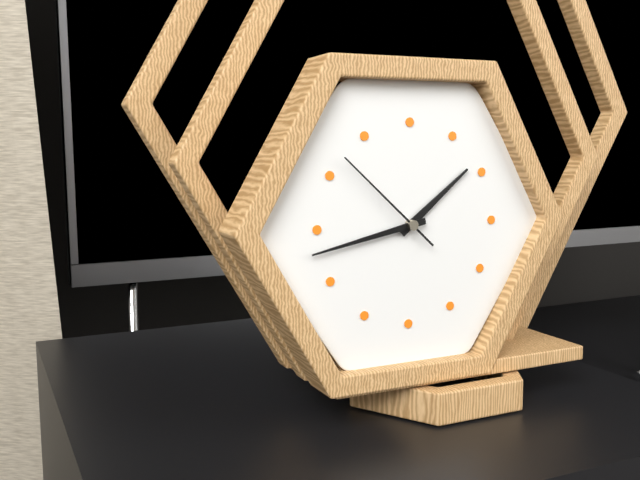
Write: 1:43:52
